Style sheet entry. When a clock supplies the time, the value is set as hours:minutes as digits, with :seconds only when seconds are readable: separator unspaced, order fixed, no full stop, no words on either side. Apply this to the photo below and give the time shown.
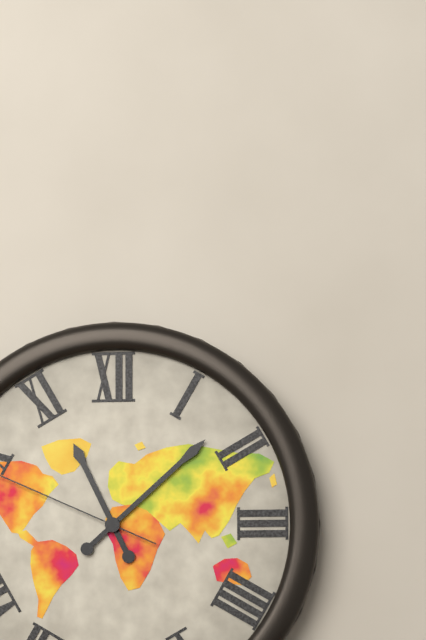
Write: 11:08
